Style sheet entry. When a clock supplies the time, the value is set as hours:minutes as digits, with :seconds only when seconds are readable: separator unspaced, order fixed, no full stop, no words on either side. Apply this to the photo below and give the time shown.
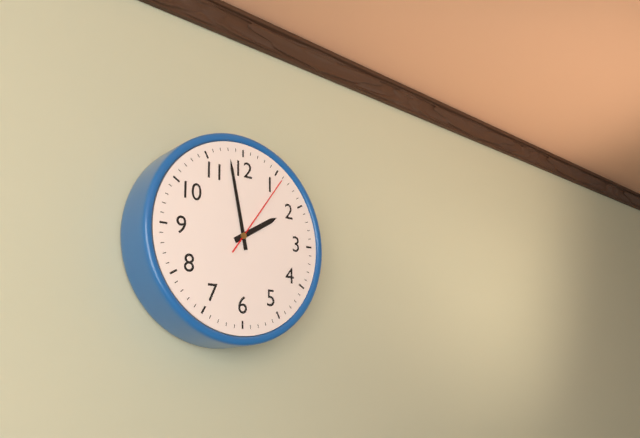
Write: 1:58:06
